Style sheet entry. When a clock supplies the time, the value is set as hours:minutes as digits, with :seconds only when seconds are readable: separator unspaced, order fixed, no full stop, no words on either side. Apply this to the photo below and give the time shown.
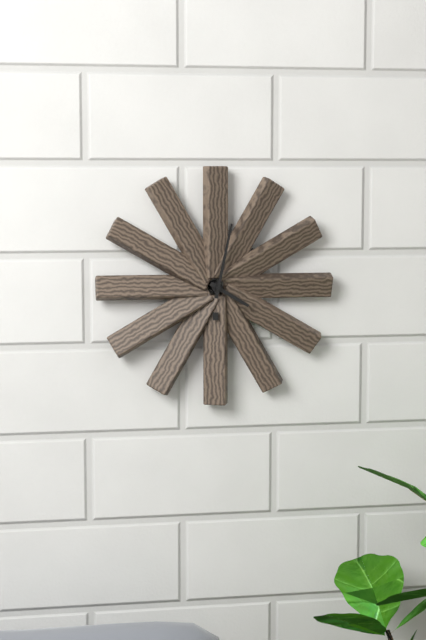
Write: 4:02
